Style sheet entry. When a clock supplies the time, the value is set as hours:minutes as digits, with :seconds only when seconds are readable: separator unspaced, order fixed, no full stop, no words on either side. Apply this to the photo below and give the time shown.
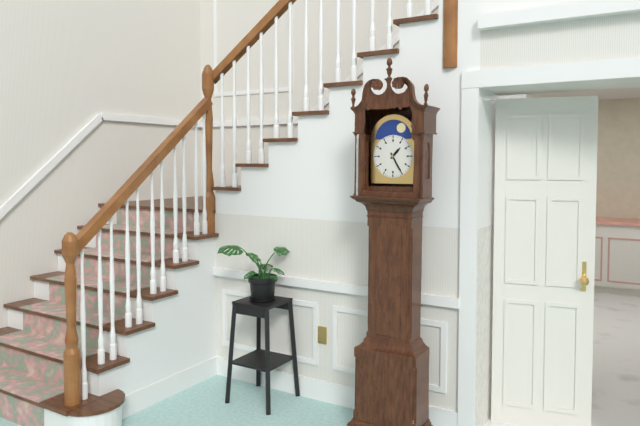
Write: 1:25
